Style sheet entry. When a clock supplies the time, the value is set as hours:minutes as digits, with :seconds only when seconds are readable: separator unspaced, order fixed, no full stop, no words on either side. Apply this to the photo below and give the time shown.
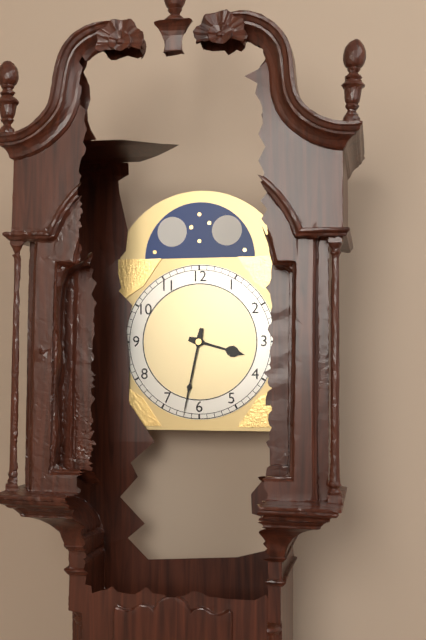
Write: 3:32
